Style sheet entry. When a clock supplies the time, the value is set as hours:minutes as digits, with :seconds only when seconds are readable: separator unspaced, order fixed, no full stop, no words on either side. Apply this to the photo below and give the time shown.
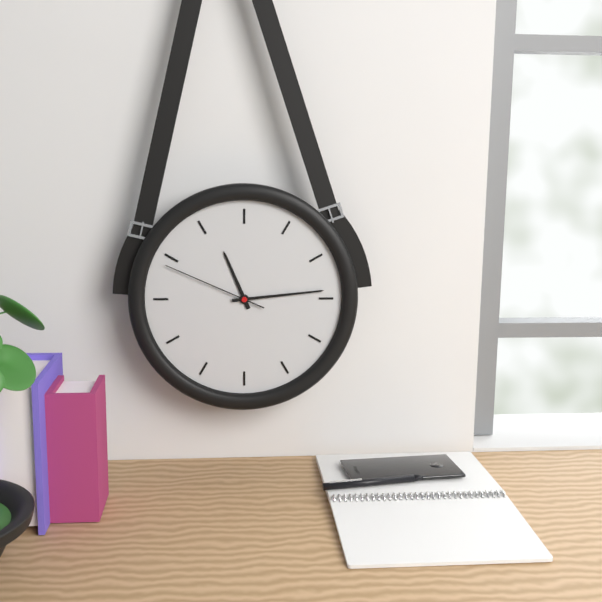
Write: 11:14:49
